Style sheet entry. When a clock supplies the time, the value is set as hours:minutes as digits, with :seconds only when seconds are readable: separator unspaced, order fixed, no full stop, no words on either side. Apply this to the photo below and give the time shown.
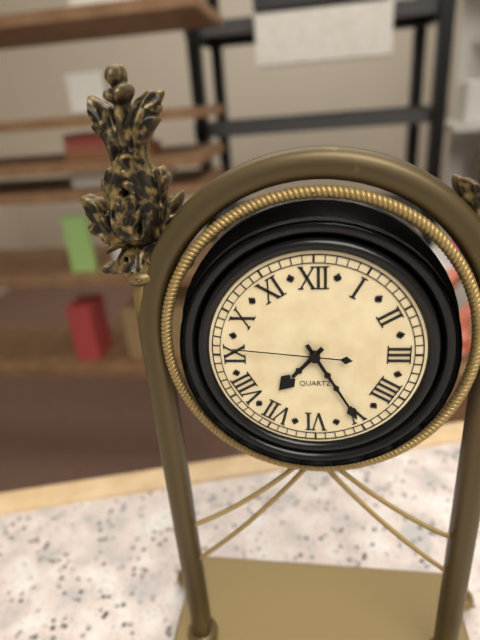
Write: 7:25:46
